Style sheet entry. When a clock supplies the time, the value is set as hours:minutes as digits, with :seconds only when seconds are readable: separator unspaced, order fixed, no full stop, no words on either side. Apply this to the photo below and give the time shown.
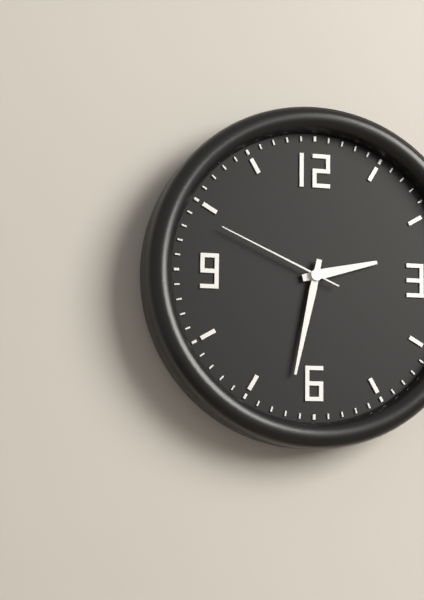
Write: 2:32:49
